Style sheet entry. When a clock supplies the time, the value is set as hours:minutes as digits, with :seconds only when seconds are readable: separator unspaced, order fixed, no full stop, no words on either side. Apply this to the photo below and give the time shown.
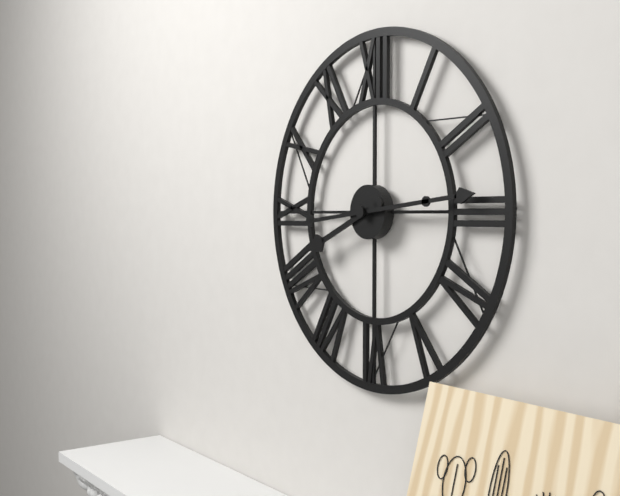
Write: 8:14
